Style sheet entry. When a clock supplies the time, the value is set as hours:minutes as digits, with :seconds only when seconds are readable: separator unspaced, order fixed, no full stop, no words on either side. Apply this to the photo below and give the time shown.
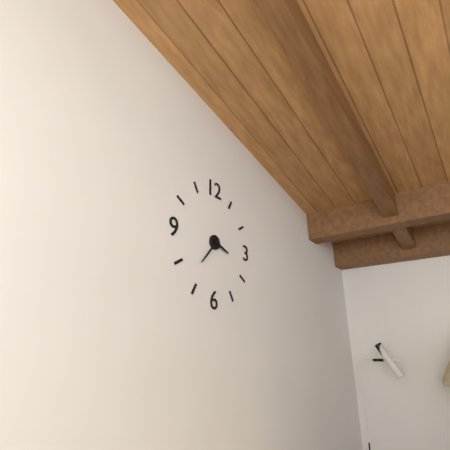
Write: 3:37
